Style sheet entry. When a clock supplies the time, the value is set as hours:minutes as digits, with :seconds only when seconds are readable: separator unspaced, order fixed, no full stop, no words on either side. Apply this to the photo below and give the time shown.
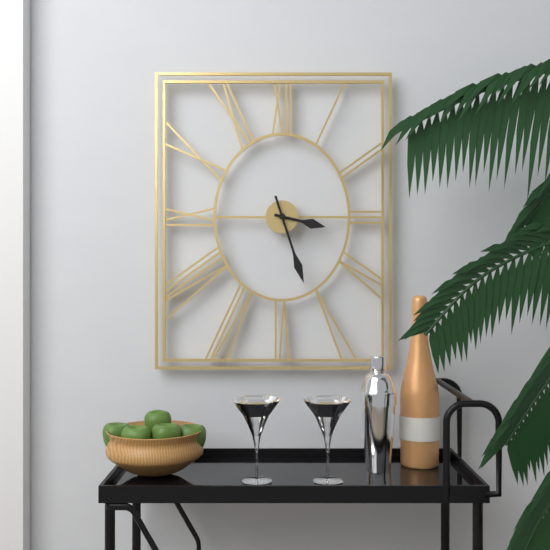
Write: 3:27
